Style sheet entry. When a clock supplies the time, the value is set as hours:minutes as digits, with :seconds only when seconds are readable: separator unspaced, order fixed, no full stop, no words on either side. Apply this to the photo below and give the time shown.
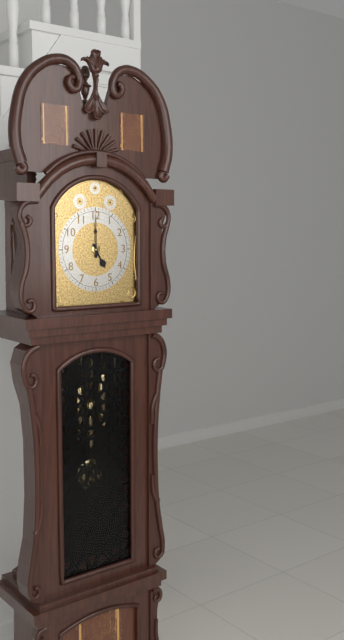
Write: 5:00
